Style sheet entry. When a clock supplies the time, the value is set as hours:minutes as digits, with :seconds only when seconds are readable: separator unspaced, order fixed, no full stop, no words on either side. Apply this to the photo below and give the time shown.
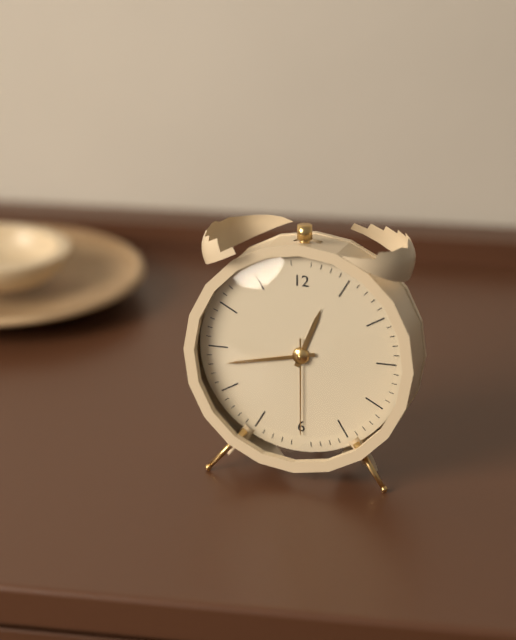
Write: 12:43:30
